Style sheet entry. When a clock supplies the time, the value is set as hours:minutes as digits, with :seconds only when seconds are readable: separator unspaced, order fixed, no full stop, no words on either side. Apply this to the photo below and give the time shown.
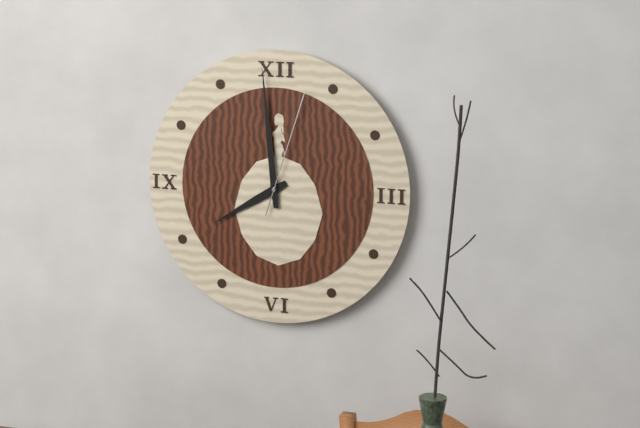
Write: 7:59:03
